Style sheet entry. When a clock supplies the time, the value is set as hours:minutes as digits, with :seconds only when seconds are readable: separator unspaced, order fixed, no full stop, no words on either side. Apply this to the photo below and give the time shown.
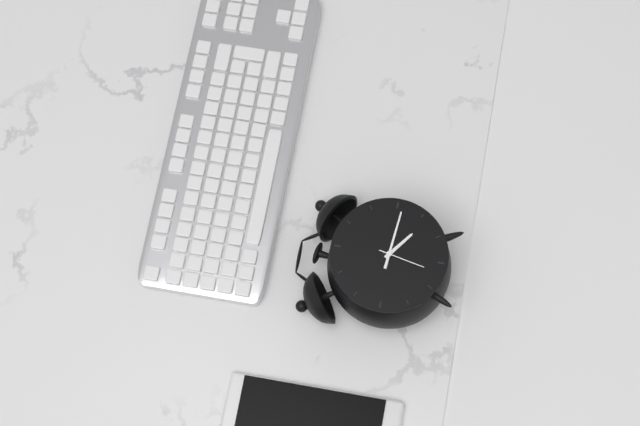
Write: 4:16
